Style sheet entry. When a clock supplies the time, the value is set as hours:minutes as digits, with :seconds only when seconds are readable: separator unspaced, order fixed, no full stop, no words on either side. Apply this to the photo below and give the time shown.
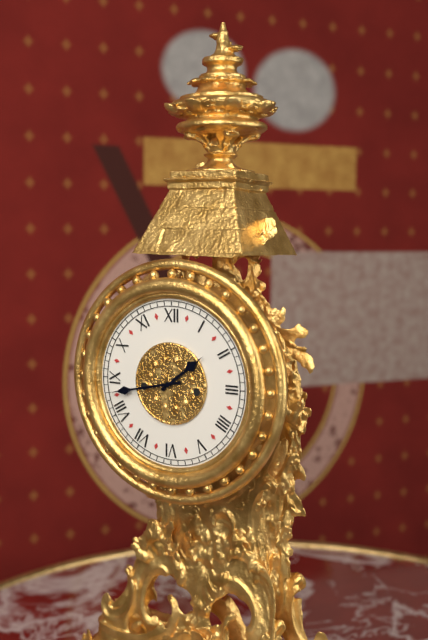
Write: 1:43
